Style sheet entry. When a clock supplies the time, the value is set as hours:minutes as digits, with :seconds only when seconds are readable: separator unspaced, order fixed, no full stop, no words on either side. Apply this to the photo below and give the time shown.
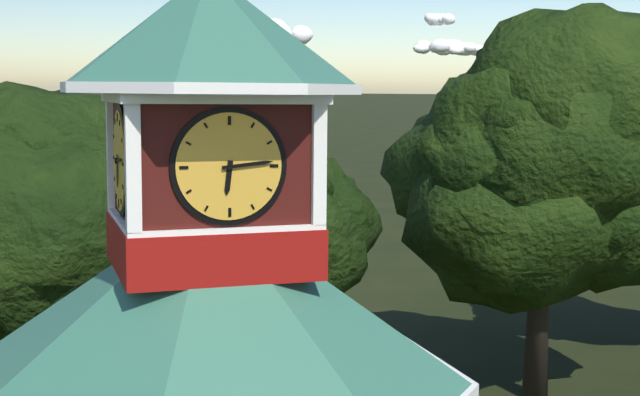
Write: 6:14
